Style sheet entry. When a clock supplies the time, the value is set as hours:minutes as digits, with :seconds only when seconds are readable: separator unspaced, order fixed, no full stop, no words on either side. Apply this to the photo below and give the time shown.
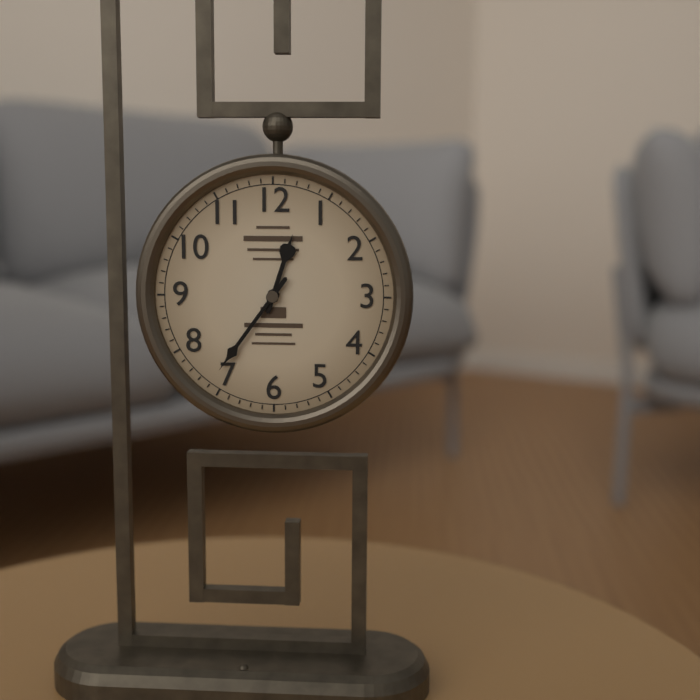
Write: 12:36
